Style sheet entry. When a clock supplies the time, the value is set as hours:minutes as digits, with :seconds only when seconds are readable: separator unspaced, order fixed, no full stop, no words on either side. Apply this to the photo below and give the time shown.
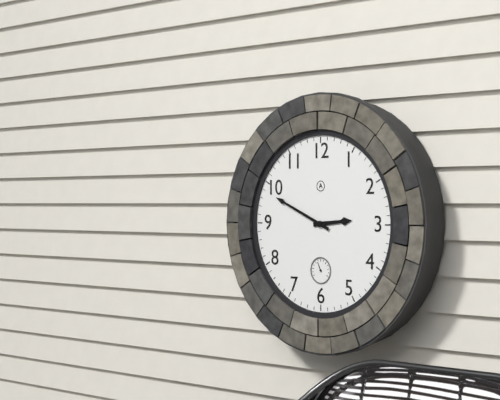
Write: 2:49
